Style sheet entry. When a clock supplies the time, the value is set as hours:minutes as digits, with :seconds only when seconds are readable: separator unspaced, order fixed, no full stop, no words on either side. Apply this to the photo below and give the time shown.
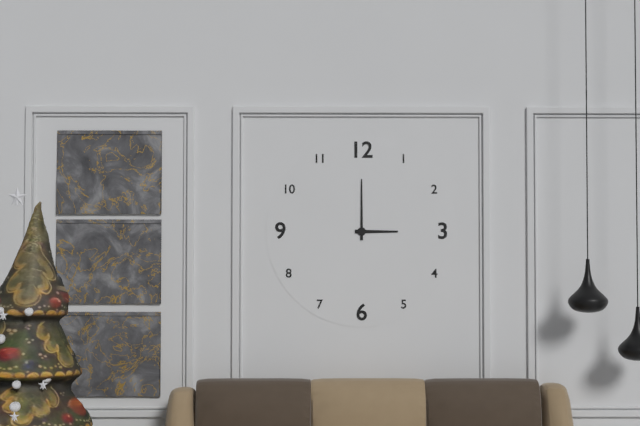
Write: 3:00
